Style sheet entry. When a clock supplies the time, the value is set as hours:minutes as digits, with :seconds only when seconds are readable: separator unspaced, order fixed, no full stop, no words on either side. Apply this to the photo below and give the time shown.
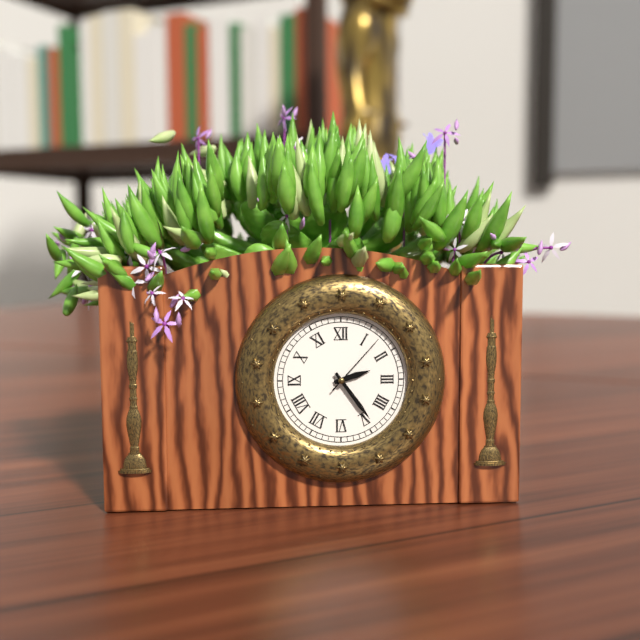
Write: 2:24:07
